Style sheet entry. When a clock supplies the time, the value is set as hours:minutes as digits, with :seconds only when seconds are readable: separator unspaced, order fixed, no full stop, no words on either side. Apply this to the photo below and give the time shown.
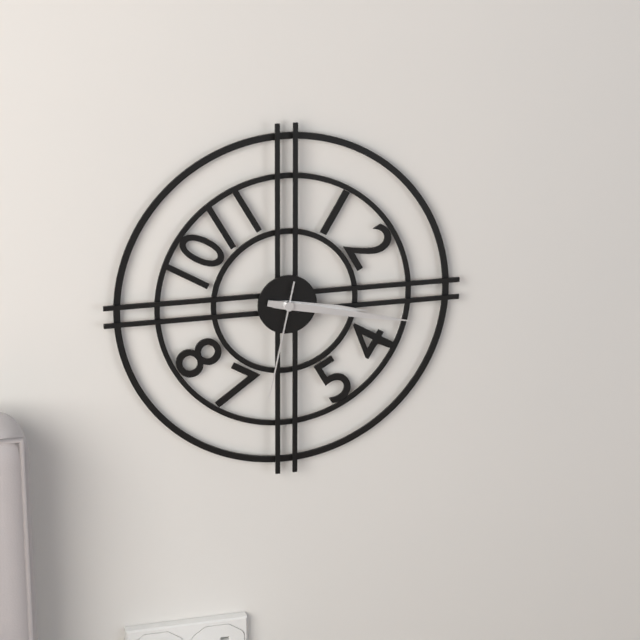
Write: 3:17:32
